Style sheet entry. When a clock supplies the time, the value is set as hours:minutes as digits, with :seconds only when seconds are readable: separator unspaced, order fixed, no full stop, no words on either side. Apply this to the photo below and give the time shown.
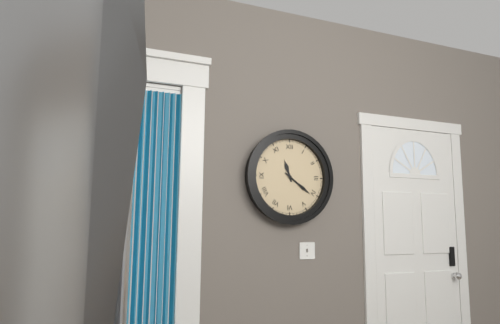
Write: 11:21
